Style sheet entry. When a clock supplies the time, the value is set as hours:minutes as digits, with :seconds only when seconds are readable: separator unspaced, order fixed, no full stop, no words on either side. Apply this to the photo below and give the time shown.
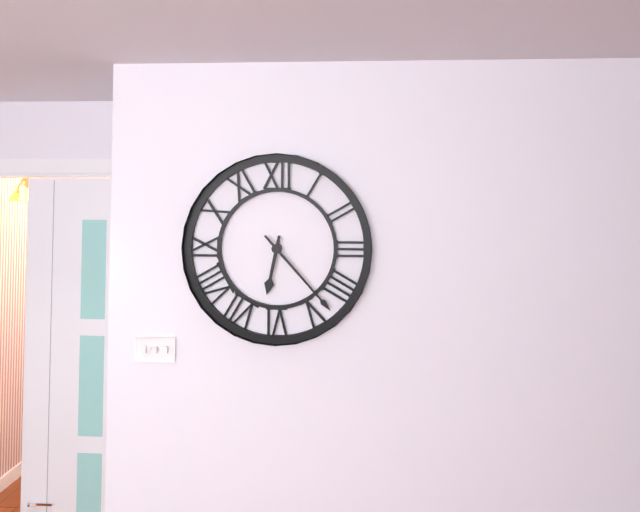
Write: 6:23
